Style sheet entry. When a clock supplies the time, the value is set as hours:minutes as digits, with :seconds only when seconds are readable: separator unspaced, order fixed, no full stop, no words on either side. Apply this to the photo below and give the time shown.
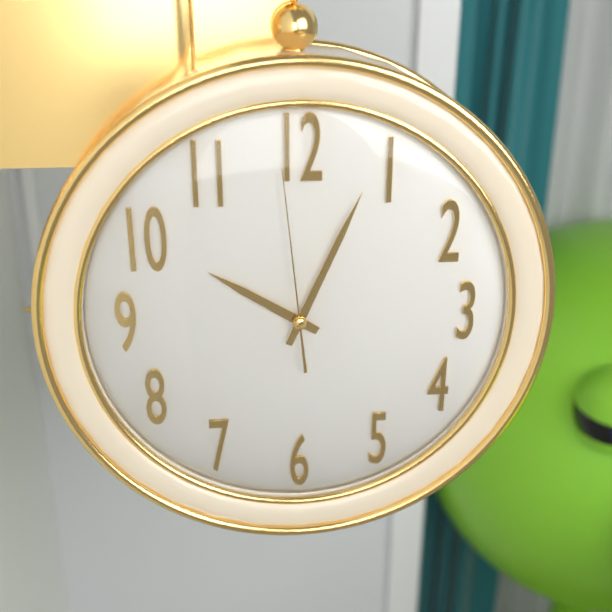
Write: 10:04:59
